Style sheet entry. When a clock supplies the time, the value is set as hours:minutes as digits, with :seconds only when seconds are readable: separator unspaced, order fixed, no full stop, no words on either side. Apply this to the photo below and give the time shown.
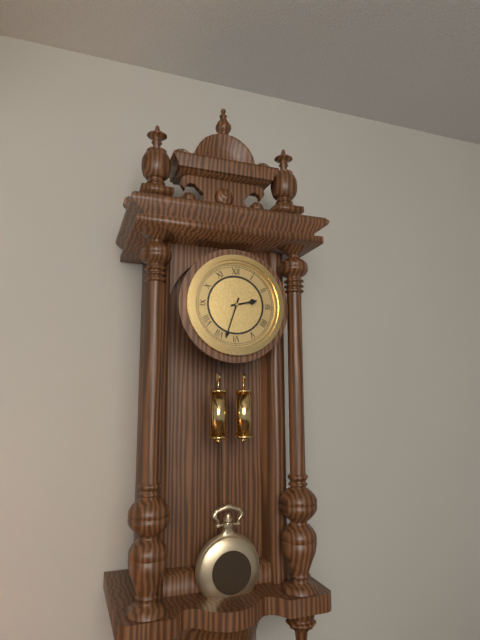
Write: 2:33
